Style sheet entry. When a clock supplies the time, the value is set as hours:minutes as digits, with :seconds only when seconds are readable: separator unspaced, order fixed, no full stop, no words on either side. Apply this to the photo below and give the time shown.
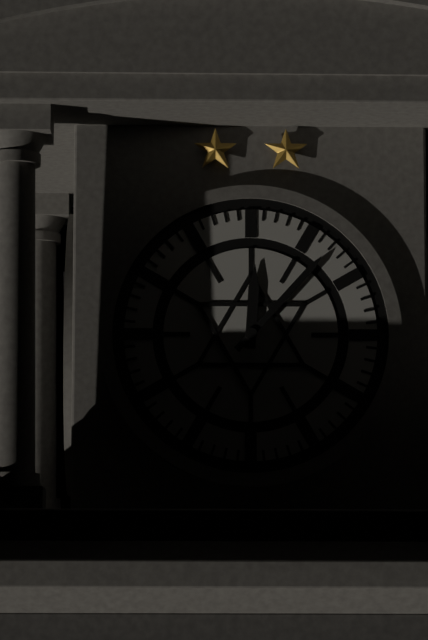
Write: 12:07
